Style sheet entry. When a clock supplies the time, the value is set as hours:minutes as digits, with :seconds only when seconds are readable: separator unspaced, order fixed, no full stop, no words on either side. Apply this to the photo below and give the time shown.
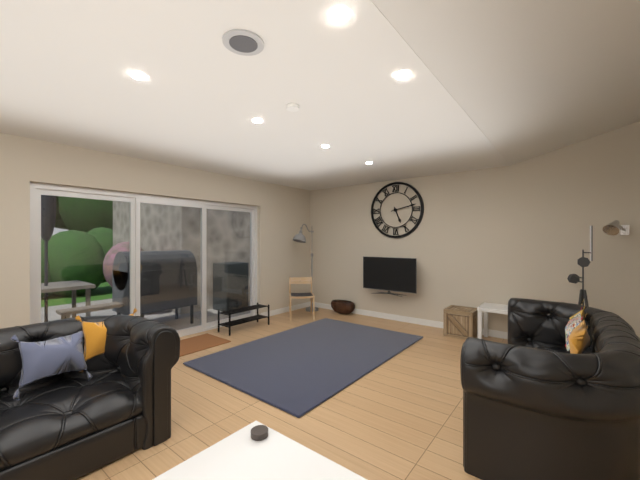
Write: 5:13
